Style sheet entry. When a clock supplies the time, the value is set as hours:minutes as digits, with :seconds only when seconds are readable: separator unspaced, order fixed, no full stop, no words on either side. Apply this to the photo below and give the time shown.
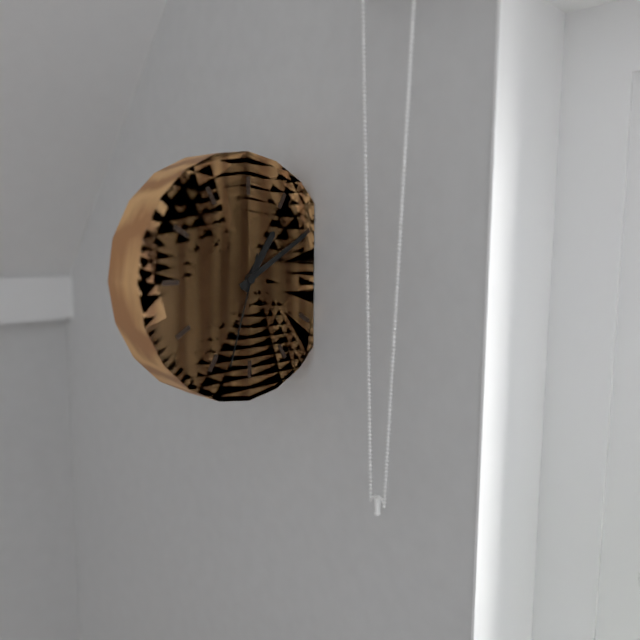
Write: 1:10:33
